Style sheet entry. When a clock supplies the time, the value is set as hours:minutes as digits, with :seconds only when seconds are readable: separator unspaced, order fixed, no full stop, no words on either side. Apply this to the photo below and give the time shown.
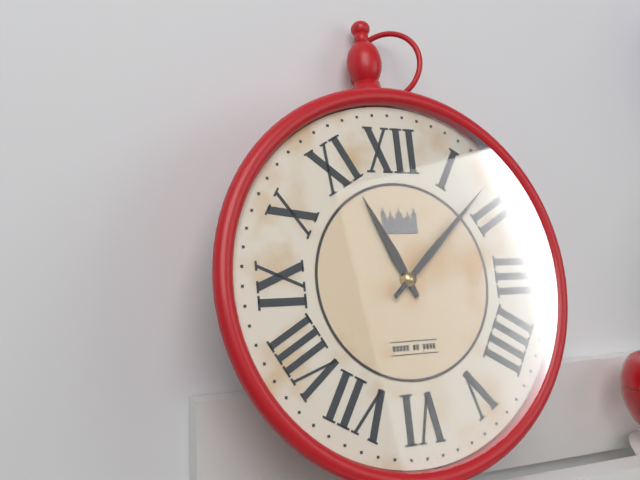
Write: 11:08
